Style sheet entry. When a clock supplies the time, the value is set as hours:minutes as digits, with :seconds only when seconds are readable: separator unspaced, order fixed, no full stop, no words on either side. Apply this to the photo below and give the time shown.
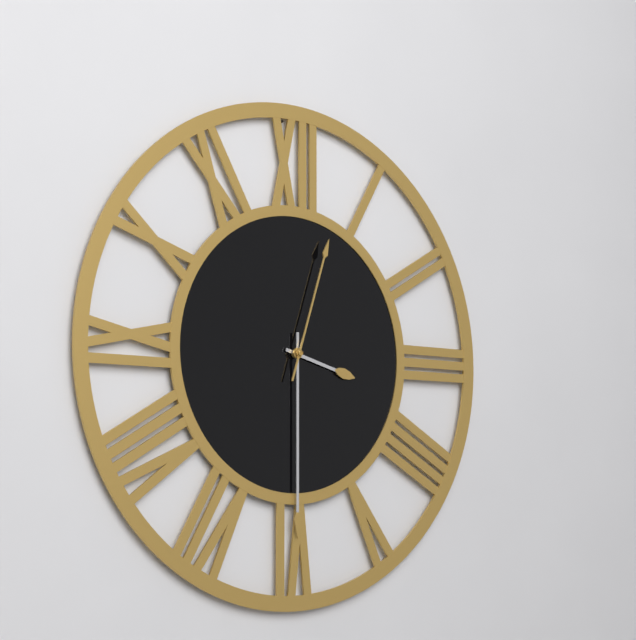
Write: 3:30:03
